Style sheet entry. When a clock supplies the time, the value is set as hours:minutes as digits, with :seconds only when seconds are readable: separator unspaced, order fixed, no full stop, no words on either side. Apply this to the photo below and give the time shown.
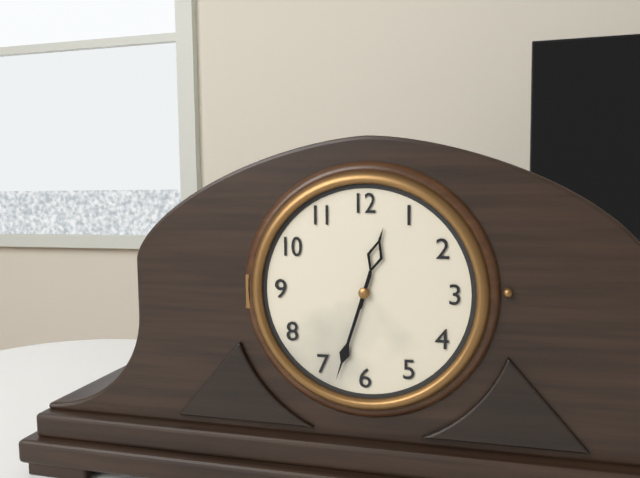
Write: 12:33
